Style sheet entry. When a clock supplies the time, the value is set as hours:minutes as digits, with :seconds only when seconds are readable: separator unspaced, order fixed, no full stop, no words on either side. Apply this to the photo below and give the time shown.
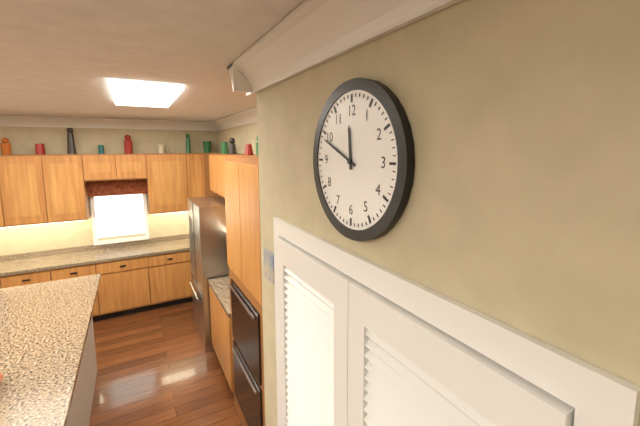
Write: 11:49
